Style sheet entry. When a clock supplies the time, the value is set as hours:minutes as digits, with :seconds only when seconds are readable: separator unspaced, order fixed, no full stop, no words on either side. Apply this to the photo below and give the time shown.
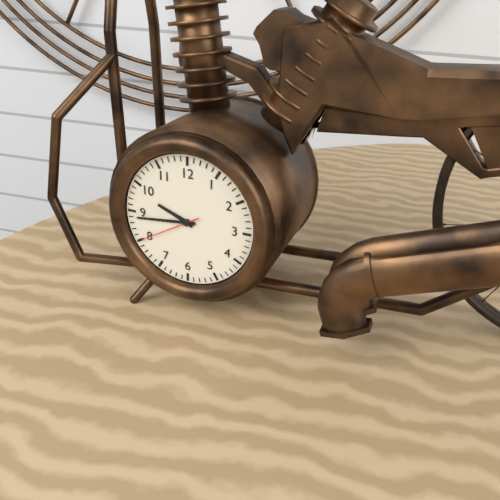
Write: 9:44:40
